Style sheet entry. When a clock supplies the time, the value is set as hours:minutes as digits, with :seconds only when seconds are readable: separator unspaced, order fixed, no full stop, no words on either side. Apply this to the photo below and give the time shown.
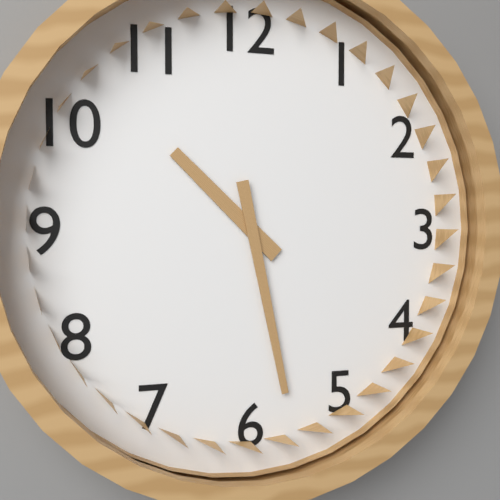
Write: 10:28
